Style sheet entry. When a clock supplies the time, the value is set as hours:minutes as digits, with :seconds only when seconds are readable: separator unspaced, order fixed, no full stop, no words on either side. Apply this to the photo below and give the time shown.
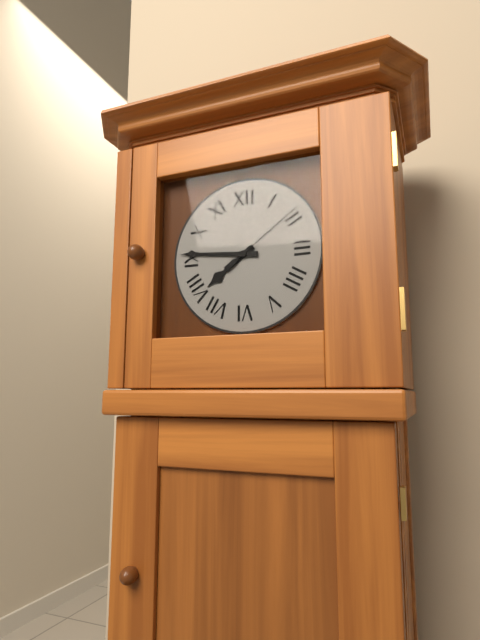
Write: 7:46:09
